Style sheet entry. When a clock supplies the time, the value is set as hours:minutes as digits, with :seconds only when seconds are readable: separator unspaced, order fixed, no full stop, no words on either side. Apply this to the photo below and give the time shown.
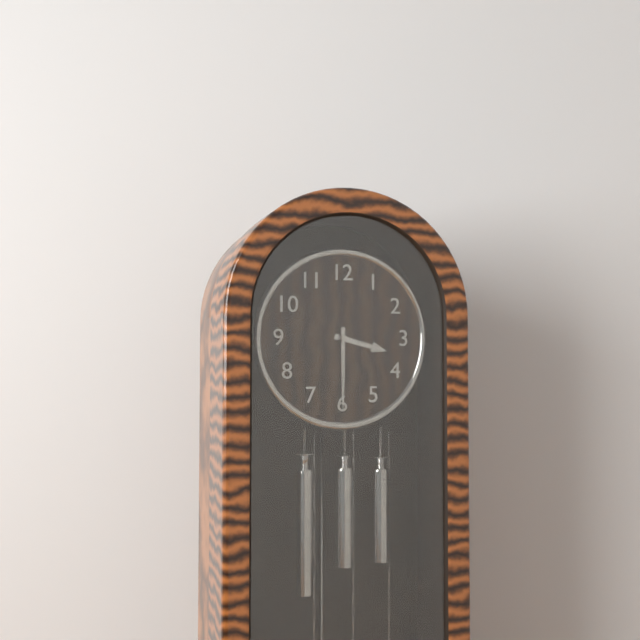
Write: 3:30
